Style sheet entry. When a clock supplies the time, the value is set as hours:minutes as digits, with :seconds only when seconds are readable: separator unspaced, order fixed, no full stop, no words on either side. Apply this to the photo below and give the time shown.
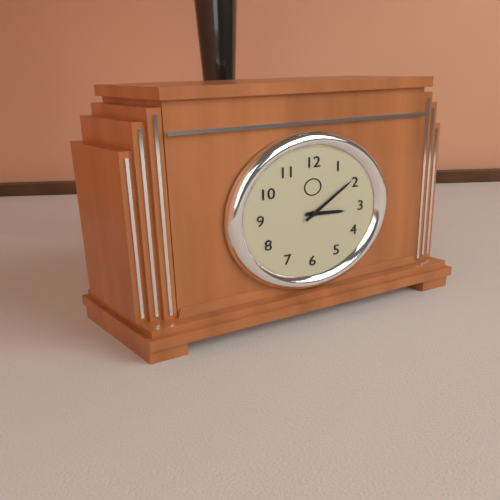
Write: 3:09
